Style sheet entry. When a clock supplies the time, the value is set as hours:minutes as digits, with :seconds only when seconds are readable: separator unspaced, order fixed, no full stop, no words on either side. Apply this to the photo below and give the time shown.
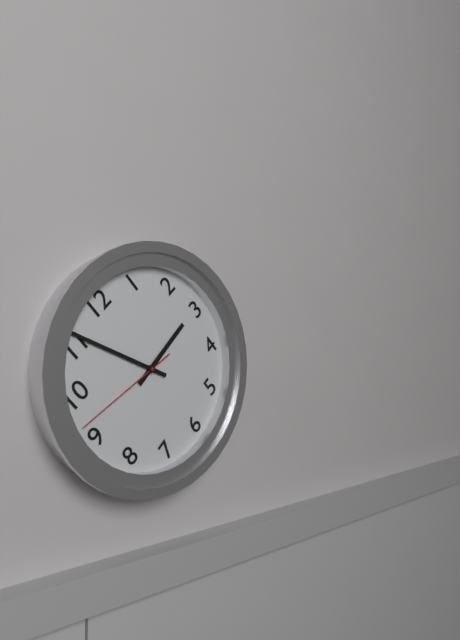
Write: 2:56:47
